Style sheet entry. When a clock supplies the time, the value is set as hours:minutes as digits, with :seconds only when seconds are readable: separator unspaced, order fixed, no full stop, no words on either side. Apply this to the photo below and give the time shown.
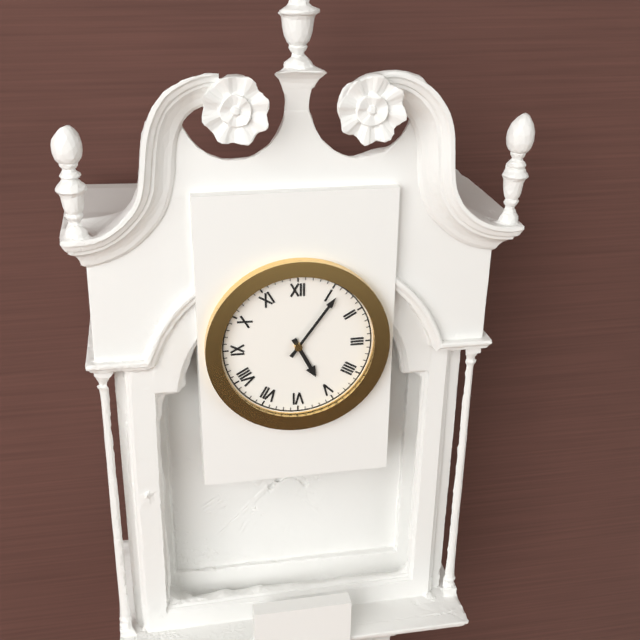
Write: 5:06
